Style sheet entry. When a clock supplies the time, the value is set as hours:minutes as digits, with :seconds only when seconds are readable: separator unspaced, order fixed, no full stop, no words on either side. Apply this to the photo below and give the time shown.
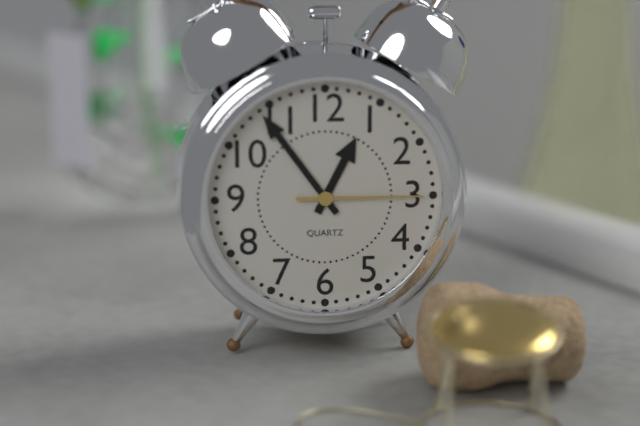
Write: 12:54:15
